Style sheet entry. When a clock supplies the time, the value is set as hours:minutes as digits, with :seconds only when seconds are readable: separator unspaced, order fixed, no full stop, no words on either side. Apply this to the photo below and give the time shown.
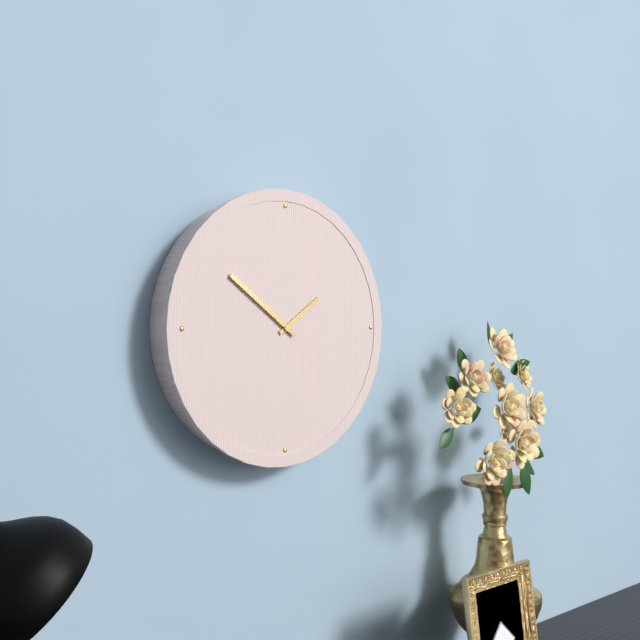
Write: 1:51
